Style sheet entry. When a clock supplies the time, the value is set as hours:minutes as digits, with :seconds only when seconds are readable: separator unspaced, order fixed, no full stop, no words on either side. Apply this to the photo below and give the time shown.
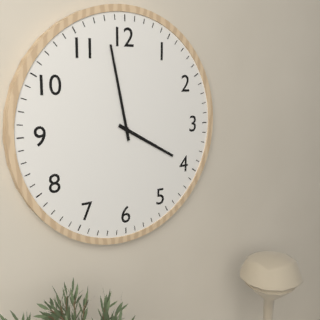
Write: 3:58
